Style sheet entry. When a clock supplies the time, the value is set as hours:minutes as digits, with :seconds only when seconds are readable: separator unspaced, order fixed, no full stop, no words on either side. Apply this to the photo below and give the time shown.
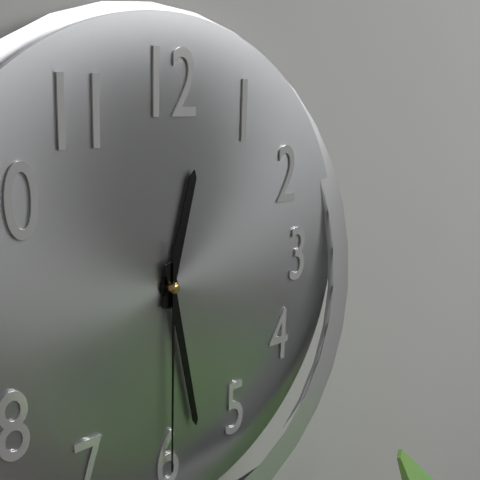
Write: 12:28:30
